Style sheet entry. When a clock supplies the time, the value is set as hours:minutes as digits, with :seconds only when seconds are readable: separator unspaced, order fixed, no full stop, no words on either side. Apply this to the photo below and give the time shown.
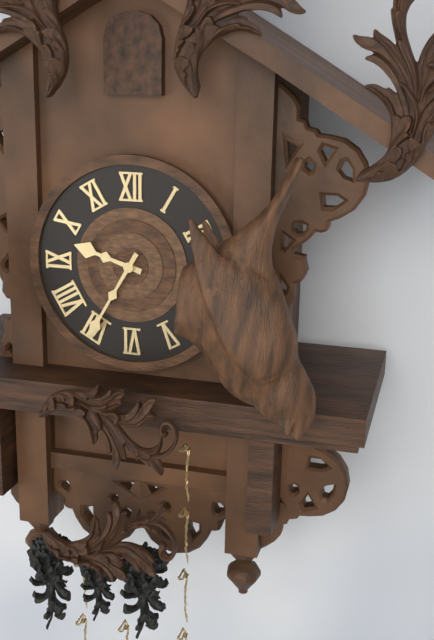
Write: 9:35
